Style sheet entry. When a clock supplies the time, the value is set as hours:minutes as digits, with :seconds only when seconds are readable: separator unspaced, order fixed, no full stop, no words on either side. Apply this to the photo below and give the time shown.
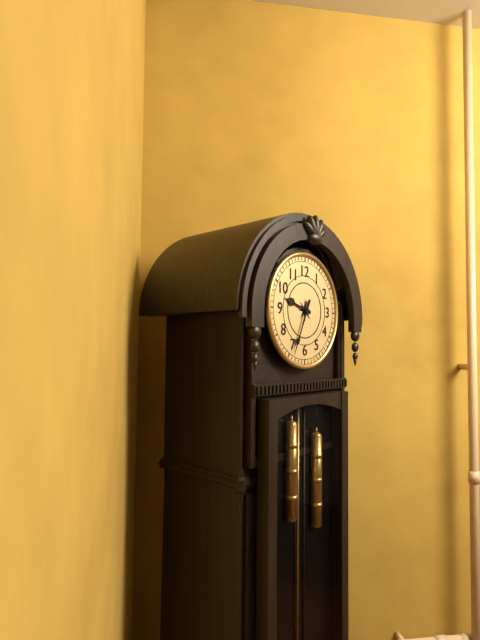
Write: 9:34
